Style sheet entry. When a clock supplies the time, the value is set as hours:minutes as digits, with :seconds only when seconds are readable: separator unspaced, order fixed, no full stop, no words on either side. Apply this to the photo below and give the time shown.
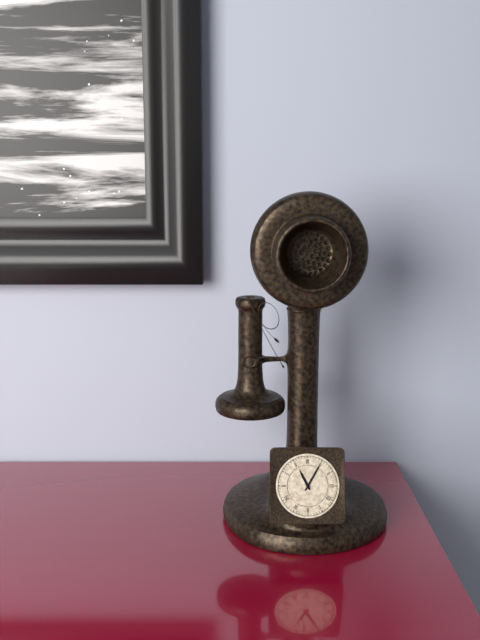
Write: 11:05
